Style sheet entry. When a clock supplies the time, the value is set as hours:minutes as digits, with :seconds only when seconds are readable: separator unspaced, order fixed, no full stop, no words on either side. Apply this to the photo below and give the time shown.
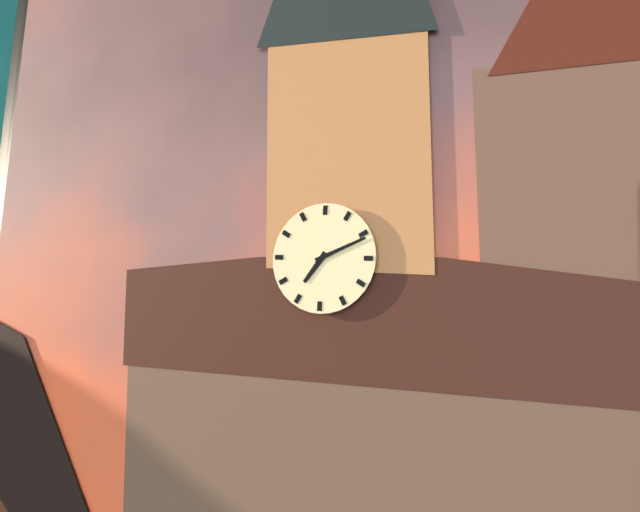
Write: 7:11
